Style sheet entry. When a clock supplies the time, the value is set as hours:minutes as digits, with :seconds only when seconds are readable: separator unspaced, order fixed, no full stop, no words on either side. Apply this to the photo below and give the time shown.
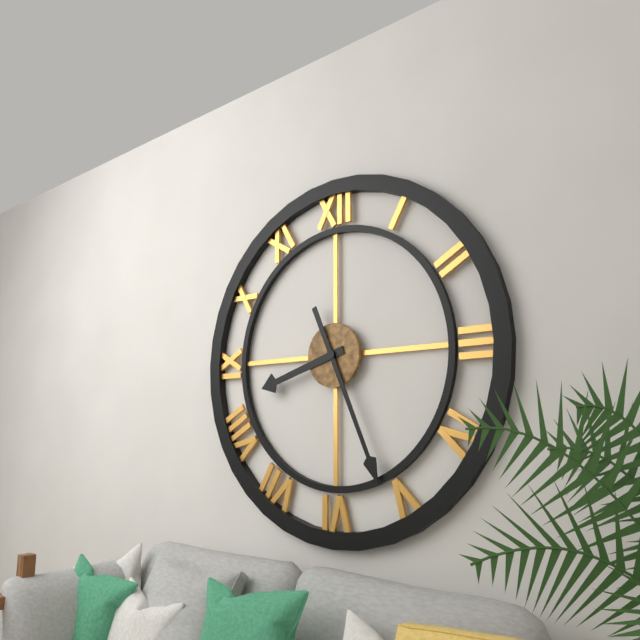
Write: 8:26
